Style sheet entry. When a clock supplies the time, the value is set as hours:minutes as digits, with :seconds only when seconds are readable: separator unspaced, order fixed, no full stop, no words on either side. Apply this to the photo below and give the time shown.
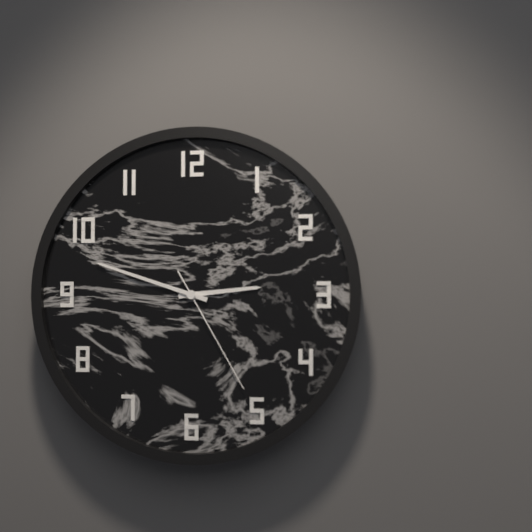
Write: 2:48:25
